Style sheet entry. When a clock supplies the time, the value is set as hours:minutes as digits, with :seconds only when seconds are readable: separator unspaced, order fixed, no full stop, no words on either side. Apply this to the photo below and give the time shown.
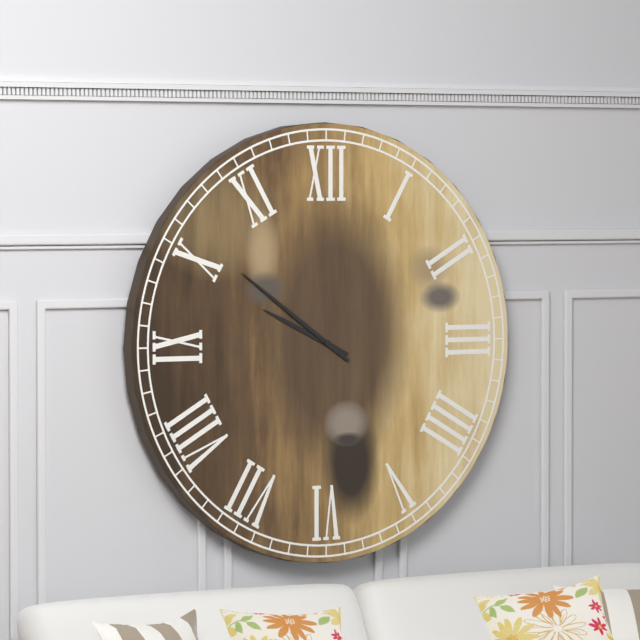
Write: 9:51
